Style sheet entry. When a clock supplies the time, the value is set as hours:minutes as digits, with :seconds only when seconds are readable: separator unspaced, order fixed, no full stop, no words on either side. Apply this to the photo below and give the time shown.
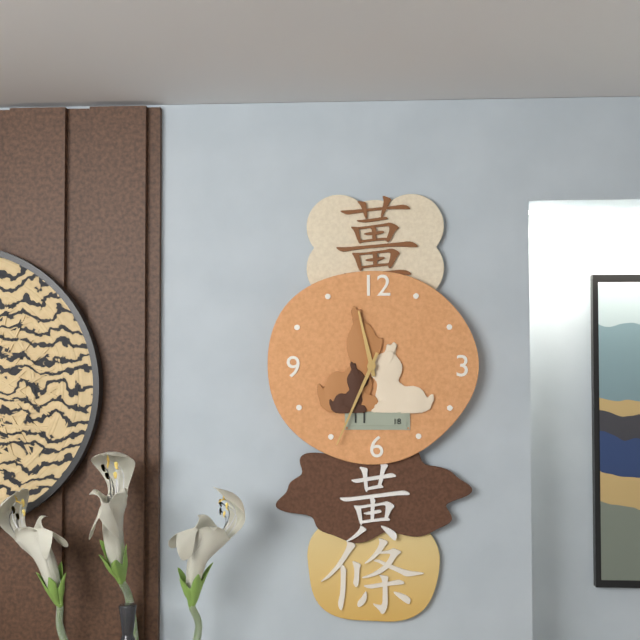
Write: 11:34
